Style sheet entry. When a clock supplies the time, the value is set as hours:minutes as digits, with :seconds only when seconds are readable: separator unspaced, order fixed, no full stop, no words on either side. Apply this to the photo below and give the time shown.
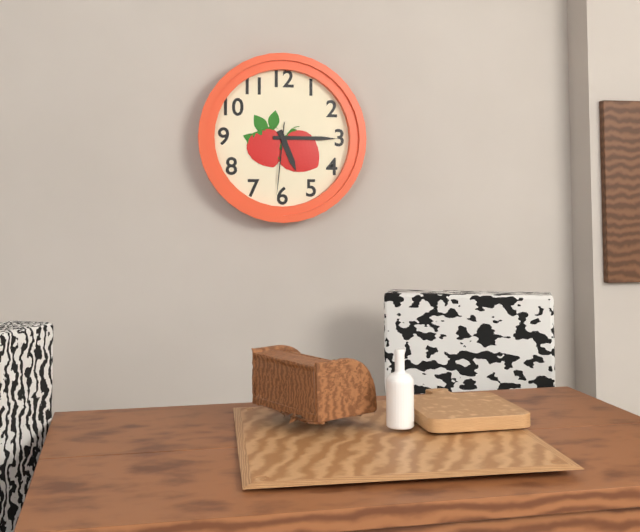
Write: 5:15:31
